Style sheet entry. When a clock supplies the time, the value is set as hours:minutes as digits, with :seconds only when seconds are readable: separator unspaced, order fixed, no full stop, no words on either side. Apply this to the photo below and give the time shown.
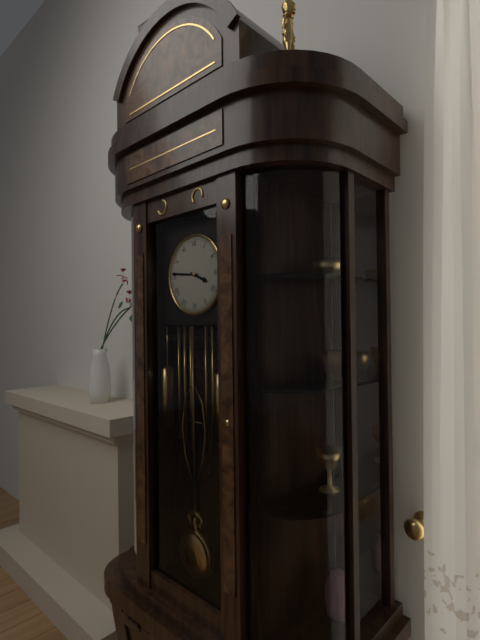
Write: 3:46
